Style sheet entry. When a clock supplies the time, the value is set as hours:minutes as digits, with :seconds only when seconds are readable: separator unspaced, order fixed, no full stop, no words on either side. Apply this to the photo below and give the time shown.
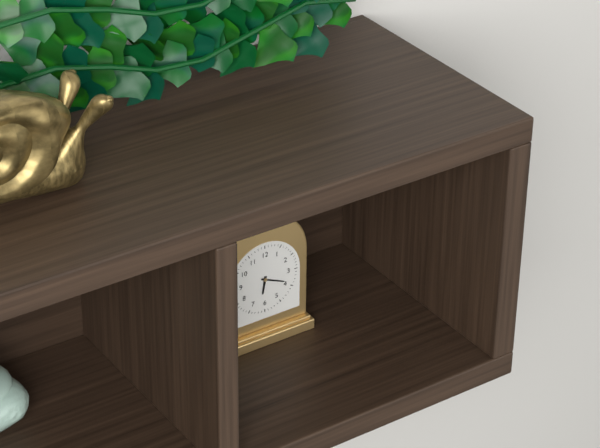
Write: 6:19
